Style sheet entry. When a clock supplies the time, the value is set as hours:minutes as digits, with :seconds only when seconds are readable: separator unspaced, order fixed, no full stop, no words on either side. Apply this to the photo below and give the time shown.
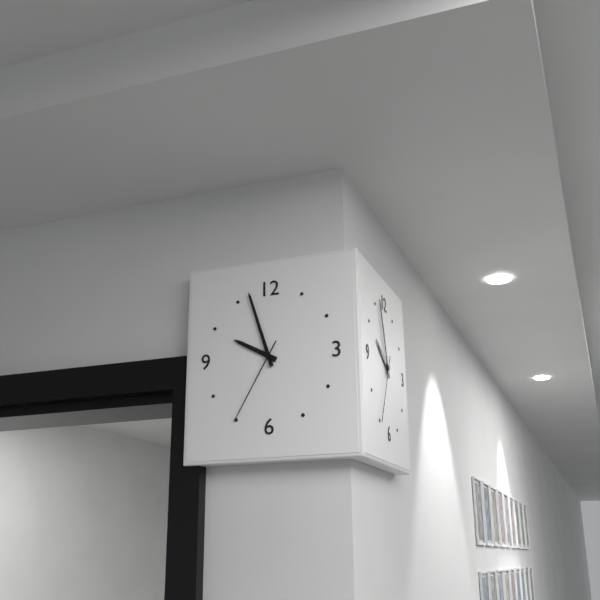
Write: 9:57:35
